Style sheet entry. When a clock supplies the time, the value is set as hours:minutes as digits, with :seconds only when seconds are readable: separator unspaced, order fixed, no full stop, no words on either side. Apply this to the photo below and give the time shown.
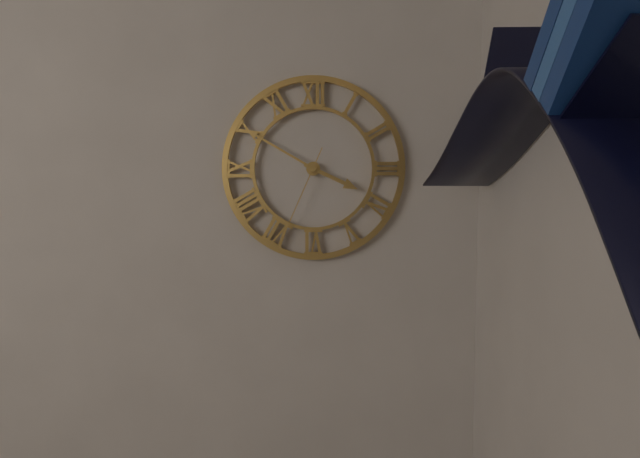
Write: 3:50:34
